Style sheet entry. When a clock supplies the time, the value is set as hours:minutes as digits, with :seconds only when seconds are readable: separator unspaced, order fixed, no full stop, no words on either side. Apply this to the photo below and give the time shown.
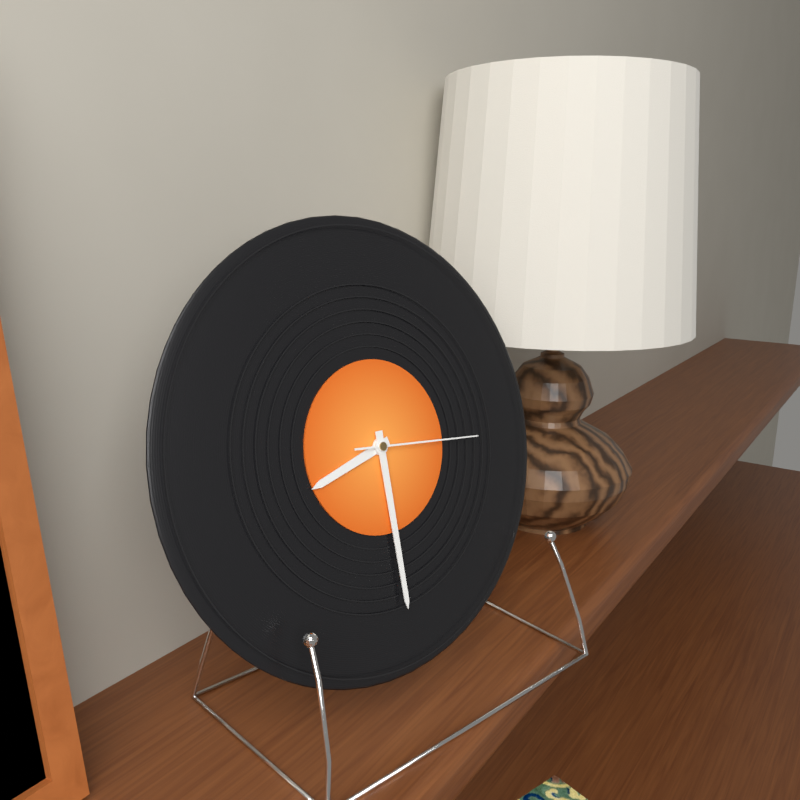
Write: 8:30:16
